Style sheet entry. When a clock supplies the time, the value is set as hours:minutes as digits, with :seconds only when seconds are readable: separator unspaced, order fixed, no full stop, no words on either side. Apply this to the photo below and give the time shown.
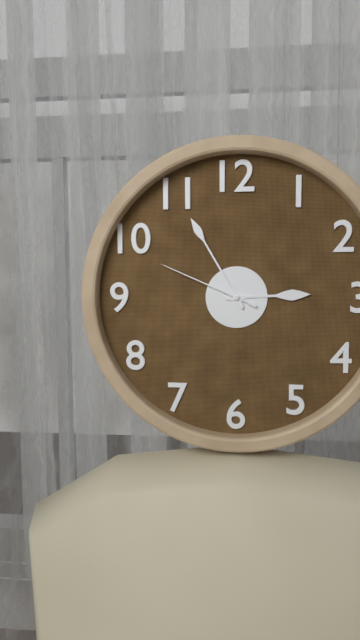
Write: 2:55:49
